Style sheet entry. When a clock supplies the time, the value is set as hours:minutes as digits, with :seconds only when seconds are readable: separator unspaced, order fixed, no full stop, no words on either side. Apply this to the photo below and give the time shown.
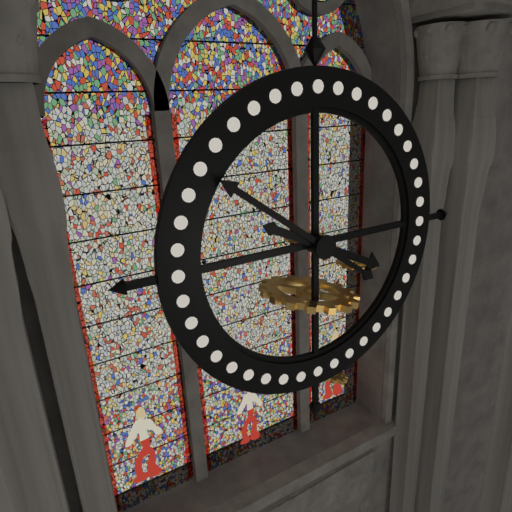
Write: 3:51
